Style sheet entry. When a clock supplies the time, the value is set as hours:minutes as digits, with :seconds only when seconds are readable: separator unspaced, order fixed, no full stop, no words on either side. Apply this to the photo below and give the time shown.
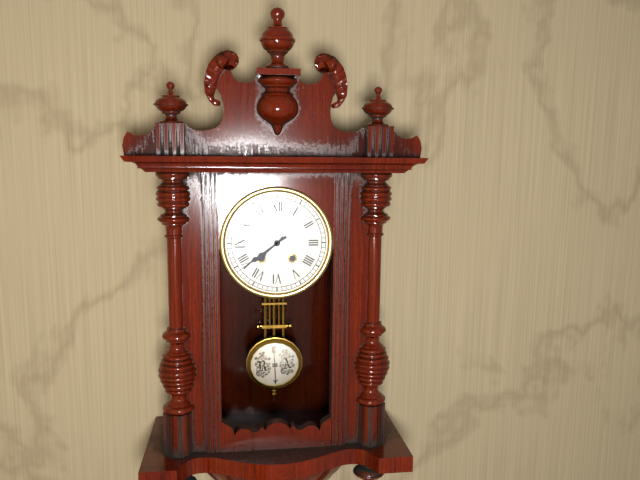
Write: 7:39
